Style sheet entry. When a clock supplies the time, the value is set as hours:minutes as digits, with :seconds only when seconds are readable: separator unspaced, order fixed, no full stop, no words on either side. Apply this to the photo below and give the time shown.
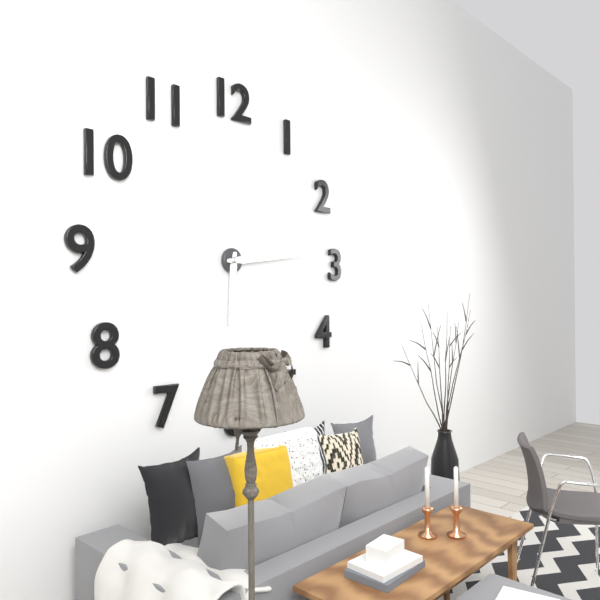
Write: 6:14
